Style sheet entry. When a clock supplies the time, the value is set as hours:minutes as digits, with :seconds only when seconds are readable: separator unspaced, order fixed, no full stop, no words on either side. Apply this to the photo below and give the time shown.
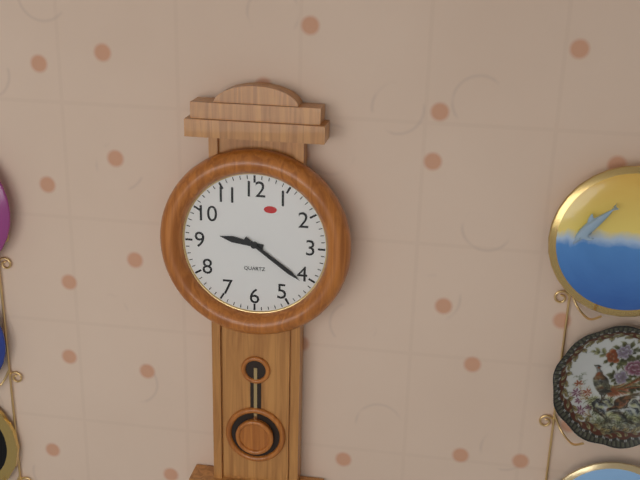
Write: 9:21
